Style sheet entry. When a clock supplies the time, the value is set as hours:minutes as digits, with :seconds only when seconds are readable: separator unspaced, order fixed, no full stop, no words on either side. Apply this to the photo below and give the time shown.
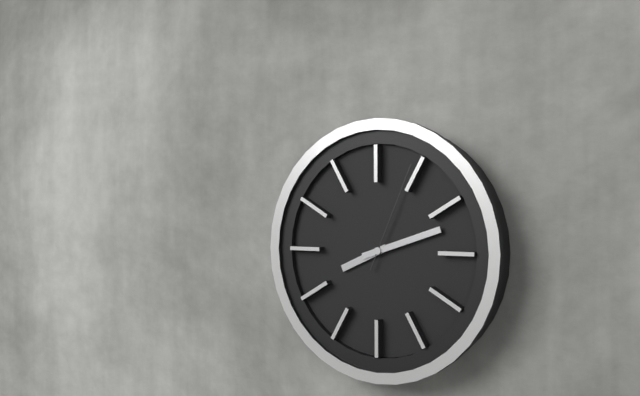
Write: 8:12:04
